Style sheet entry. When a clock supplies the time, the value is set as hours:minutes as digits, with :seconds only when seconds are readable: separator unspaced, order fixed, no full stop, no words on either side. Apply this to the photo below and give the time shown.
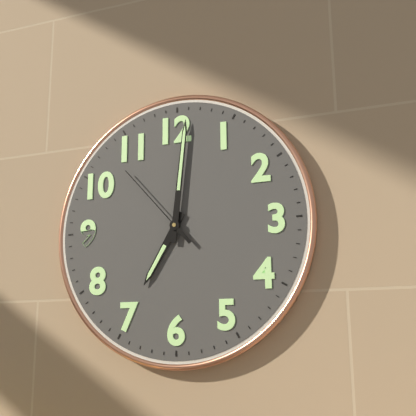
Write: 7:01:53
